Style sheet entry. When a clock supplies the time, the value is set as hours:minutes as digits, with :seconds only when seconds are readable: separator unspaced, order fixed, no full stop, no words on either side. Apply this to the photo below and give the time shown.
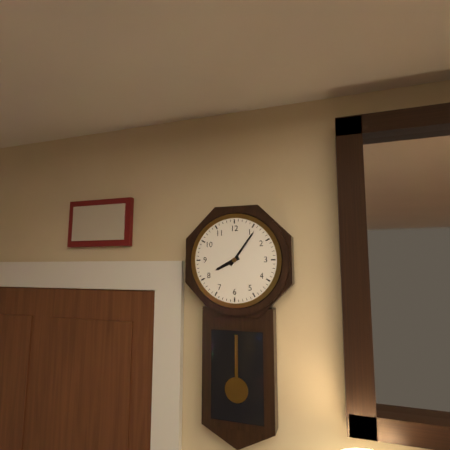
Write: 8:06
